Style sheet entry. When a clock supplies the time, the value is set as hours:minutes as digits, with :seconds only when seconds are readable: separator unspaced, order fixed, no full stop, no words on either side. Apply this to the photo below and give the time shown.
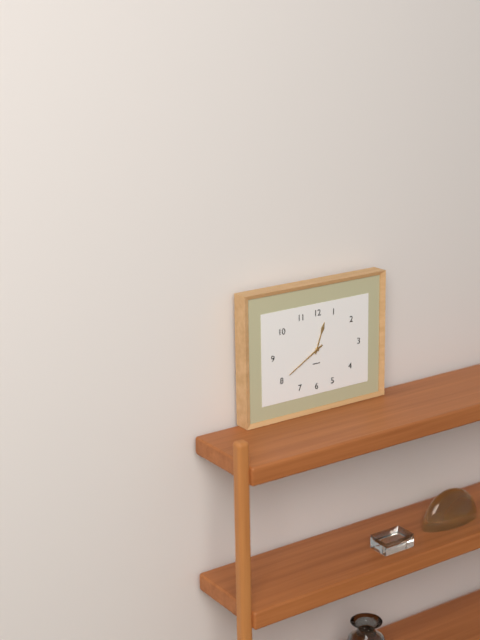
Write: 12:40
